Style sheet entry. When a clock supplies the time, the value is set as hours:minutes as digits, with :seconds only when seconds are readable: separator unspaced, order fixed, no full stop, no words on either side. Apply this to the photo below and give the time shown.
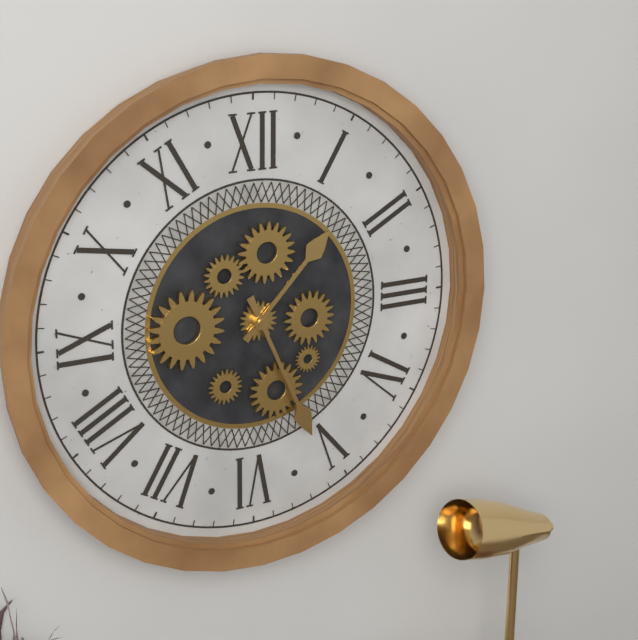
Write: 1:26
